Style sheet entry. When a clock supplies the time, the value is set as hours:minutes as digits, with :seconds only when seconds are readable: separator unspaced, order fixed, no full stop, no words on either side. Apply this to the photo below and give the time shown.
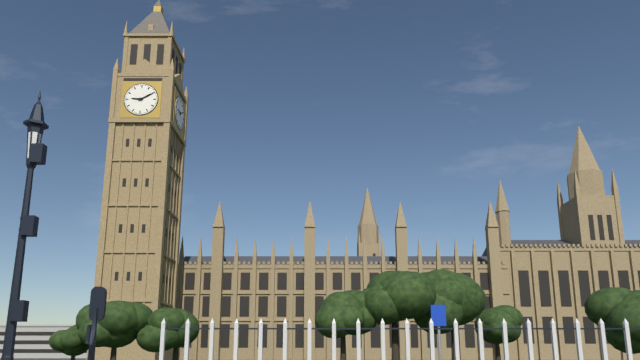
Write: 9:10
